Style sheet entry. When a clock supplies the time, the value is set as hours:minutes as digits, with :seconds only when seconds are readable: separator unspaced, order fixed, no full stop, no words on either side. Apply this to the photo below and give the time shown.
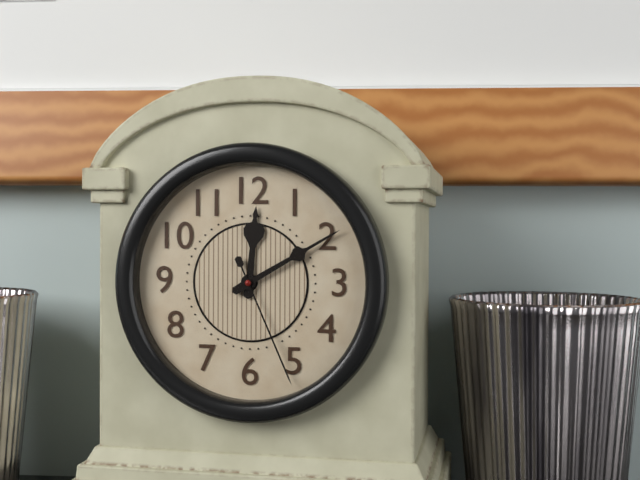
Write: 12:10:26
